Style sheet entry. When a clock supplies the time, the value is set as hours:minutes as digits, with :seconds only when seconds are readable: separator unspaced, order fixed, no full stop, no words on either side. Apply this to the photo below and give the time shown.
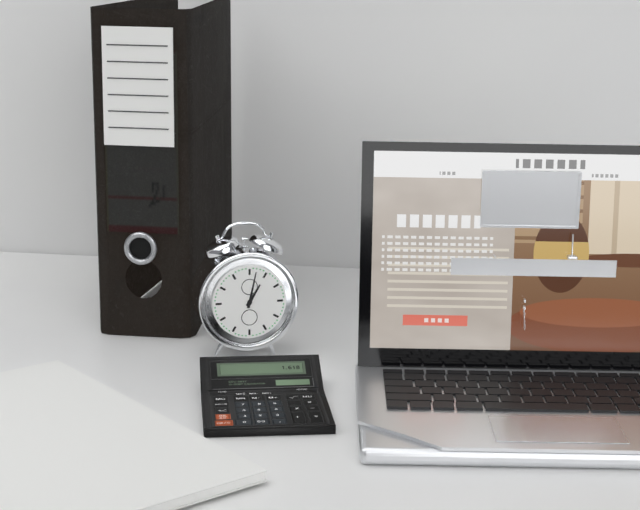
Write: 1:02
